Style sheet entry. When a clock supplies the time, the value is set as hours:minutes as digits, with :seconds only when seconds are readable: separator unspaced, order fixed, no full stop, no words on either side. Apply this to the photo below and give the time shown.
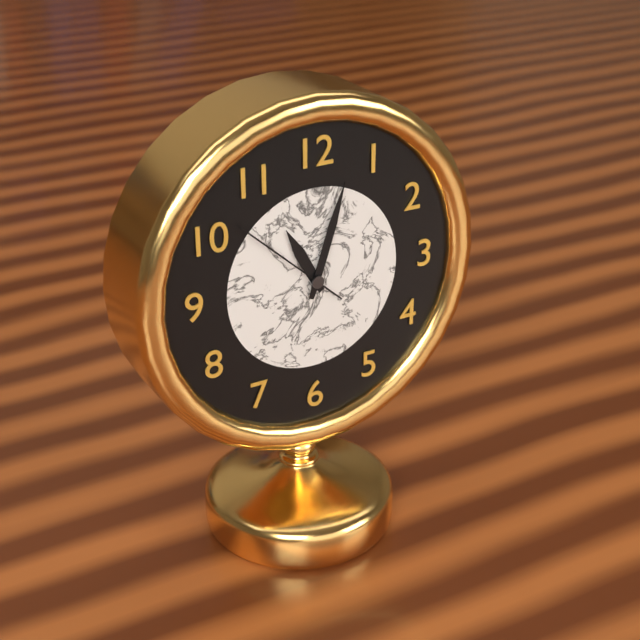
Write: 11:03:52
